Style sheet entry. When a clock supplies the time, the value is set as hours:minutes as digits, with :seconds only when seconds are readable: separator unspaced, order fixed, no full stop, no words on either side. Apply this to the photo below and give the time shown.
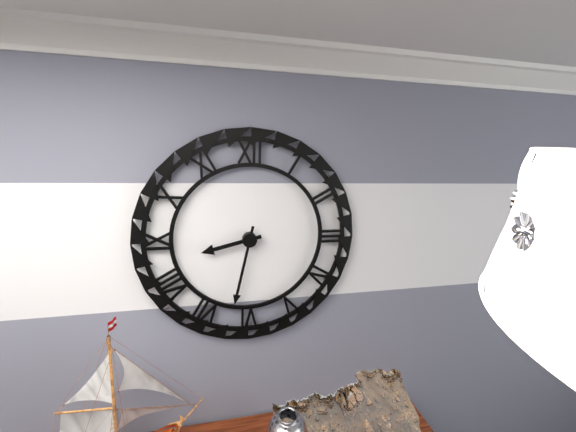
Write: 8:32
